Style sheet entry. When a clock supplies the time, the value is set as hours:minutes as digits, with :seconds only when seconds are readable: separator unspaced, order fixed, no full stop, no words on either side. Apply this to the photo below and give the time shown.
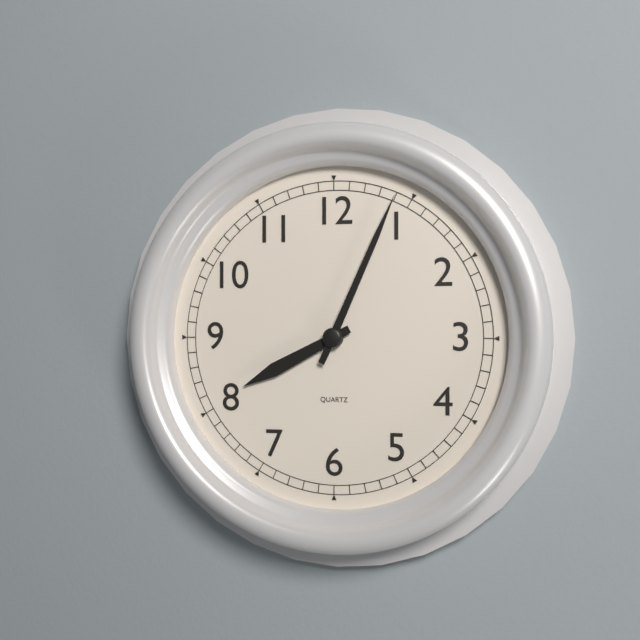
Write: 8:04
